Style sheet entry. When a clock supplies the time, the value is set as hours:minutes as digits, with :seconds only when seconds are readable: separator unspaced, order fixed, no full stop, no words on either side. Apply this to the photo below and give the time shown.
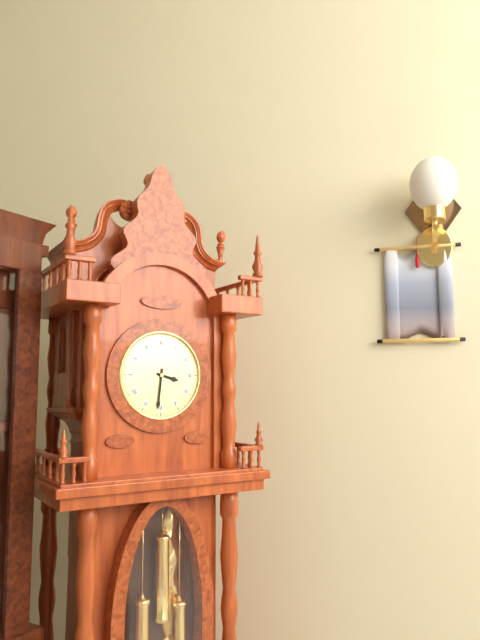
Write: 3:31
